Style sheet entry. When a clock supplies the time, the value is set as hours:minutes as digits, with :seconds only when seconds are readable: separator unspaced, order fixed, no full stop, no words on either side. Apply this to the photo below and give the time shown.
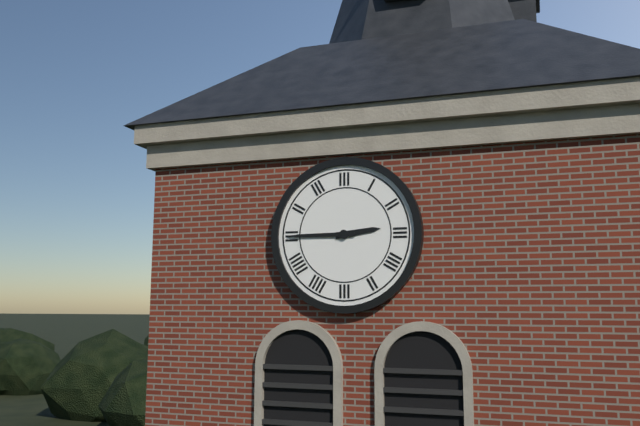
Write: 2:45
